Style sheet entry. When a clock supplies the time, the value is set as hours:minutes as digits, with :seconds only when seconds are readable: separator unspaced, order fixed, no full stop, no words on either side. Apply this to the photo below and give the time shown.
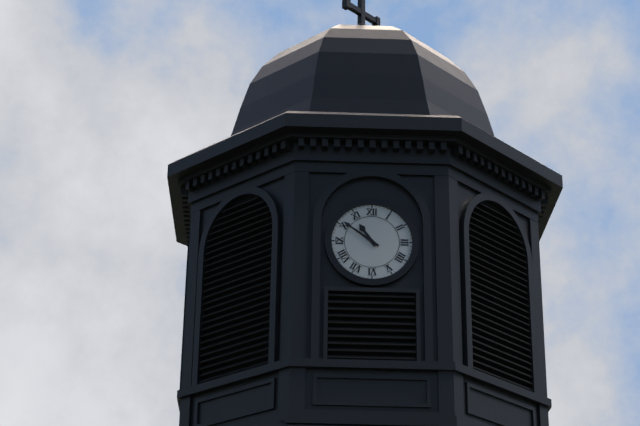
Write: 10:51
